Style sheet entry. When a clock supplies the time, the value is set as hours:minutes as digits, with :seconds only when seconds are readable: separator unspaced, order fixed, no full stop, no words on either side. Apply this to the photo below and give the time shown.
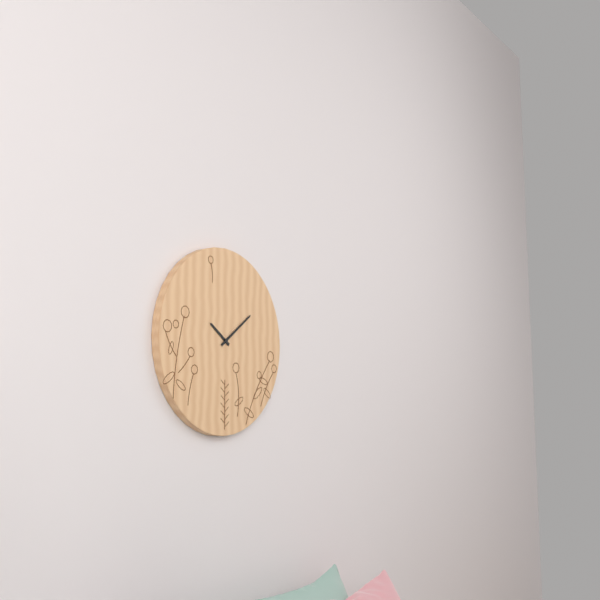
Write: 10:09
